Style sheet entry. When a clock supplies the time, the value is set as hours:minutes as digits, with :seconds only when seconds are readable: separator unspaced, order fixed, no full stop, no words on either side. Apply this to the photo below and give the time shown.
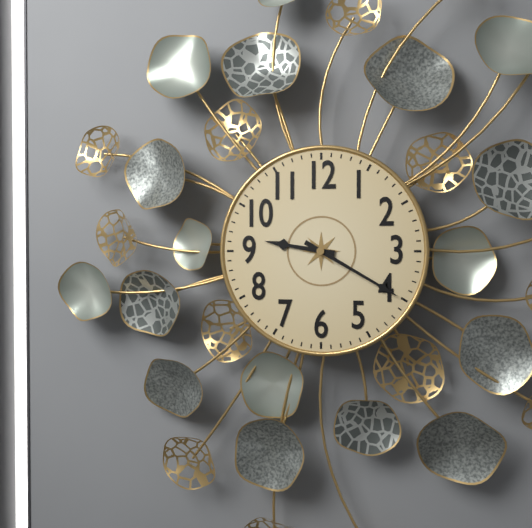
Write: 9:20
